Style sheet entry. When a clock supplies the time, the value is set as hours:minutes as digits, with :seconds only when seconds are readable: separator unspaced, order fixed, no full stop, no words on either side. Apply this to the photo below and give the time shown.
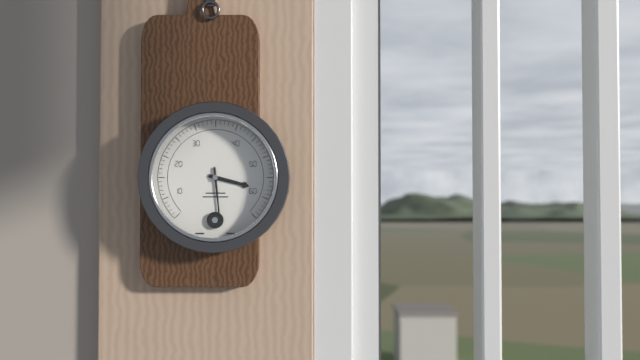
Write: 3:29
